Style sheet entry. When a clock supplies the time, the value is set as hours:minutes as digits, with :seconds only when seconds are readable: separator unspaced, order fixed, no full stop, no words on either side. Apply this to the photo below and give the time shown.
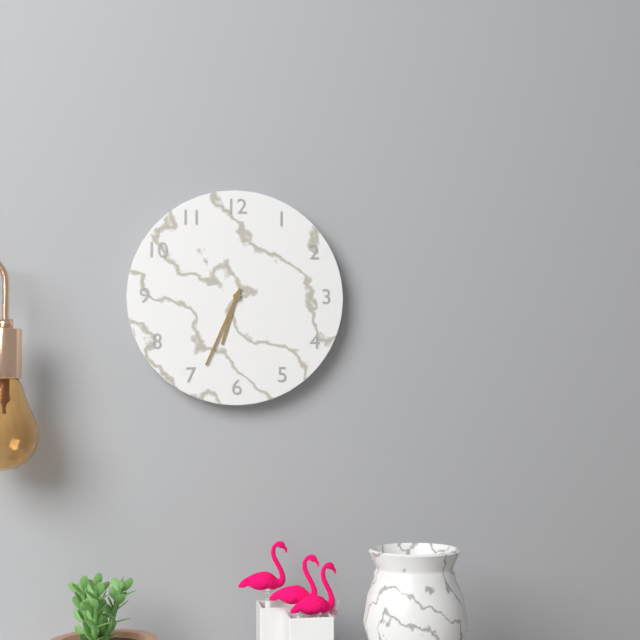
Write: 6:34
